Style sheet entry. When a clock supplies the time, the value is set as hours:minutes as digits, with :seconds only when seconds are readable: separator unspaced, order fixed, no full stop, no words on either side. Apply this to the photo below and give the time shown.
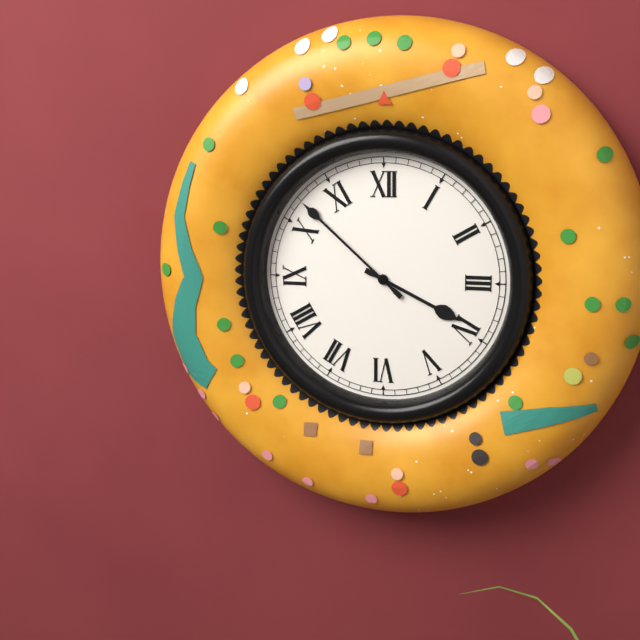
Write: 3:52
